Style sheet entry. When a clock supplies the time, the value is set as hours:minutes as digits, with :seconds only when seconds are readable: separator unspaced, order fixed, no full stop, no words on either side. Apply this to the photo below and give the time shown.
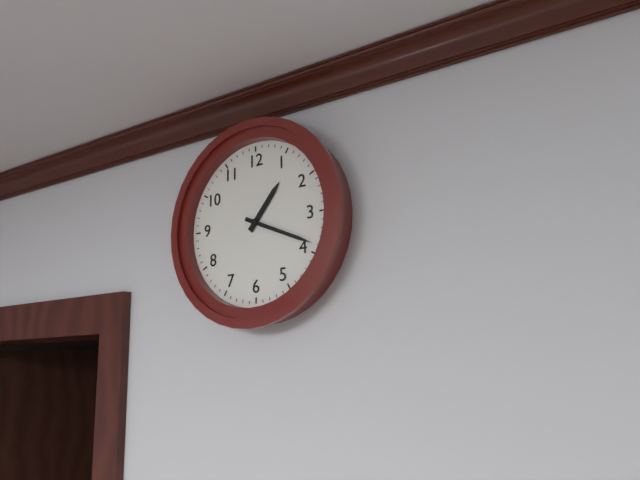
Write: 1:19
